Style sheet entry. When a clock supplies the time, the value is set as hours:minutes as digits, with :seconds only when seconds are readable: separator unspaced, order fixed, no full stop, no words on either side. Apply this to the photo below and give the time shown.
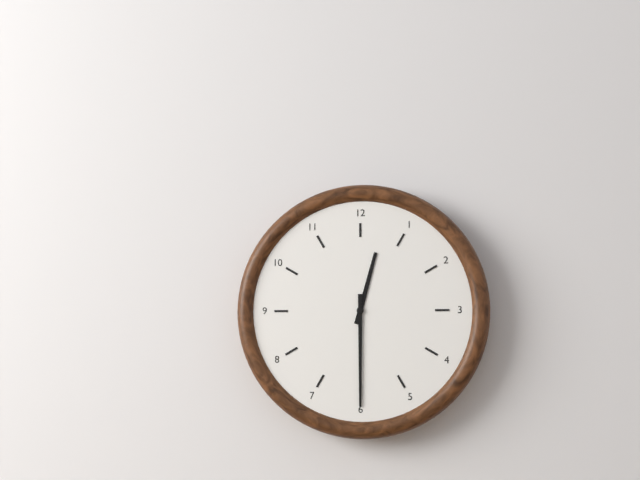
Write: 12:30
